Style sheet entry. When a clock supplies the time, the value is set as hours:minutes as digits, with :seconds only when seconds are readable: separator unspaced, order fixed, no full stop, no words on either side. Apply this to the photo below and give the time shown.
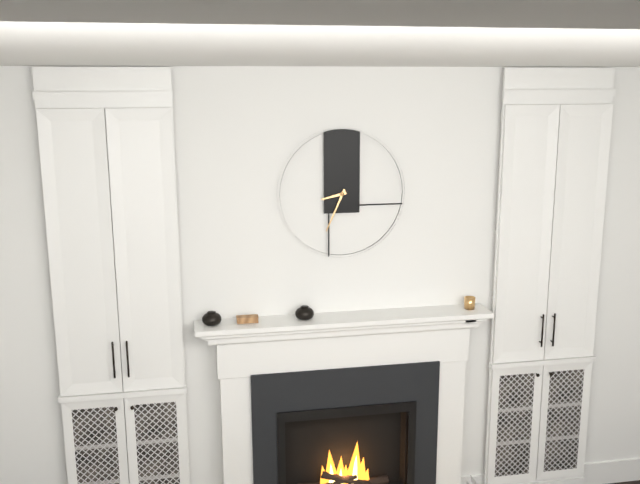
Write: 8:34
